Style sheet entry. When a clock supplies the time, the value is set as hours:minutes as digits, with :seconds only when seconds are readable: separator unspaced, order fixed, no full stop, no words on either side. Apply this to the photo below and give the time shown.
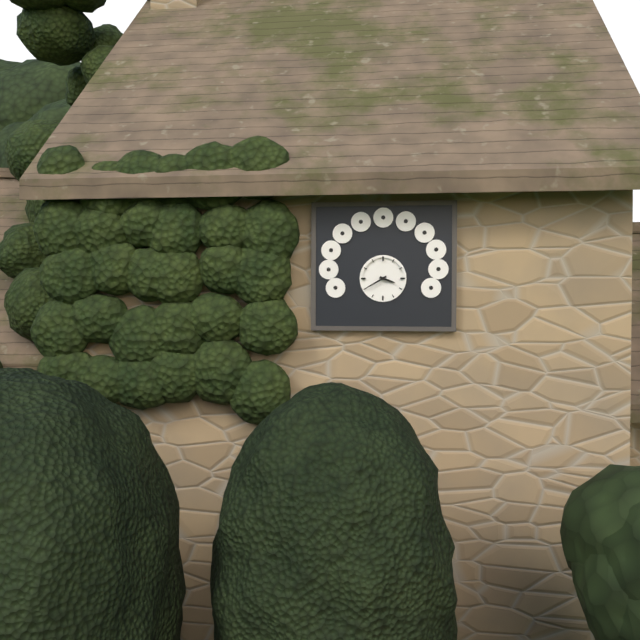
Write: 3:40
